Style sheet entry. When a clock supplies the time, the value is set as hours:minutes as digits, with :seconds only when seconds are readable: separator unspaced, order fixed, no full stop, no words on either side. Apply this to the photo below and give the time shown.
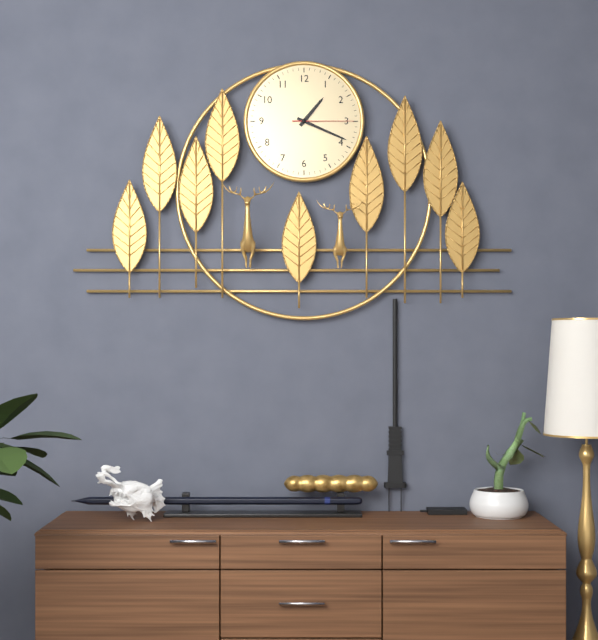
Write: 1:19:15
